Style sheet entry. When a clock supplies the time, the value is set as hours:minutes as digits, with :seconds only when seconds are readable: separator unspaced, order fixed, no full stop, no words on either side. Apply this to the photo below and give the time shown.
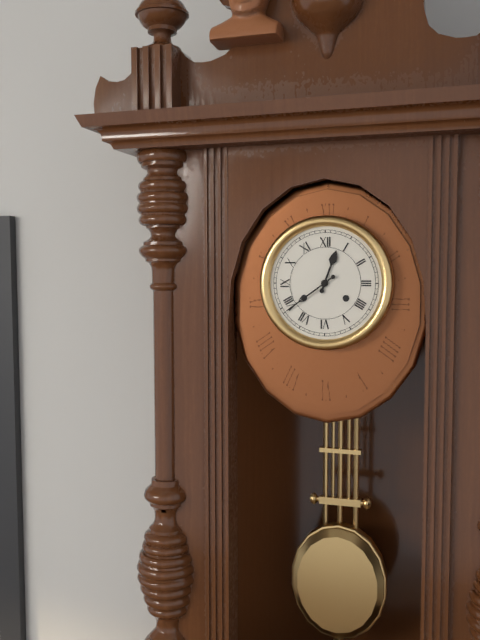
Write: 12:39
